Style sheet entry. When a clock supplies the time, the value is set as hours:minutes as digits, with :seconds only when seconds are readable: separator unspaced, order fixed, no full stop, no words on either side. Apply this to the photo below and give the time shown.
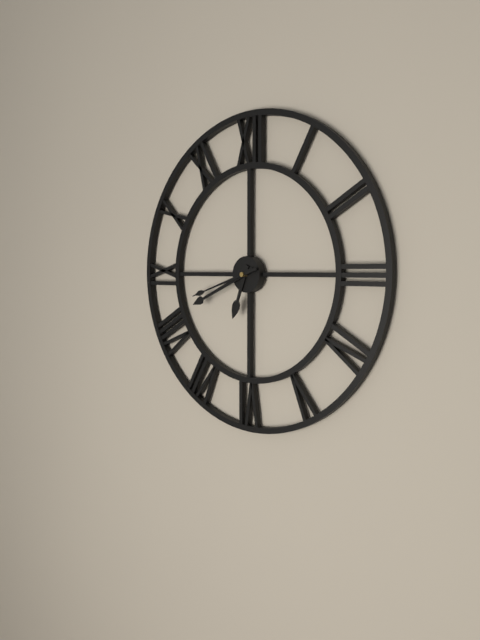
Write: 6:41:42
